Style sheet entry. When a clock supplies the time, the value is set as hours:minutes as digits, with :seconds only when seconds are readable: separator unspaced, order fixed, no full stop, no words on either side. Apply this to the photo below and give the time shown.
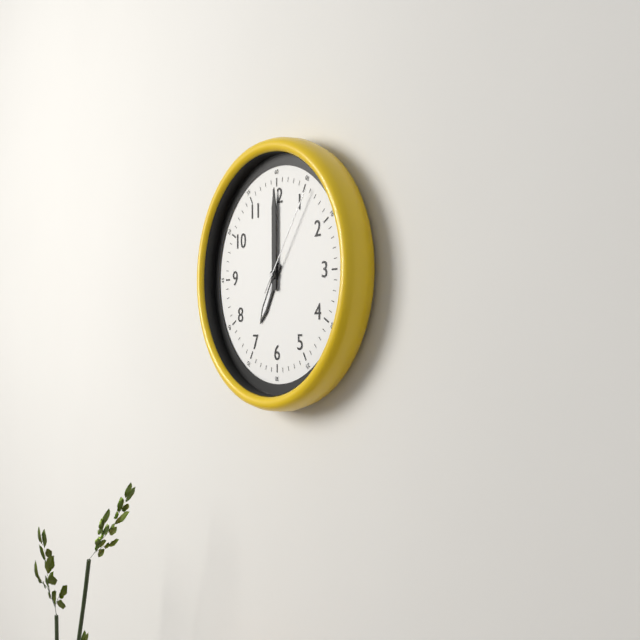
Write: 7:00:06
